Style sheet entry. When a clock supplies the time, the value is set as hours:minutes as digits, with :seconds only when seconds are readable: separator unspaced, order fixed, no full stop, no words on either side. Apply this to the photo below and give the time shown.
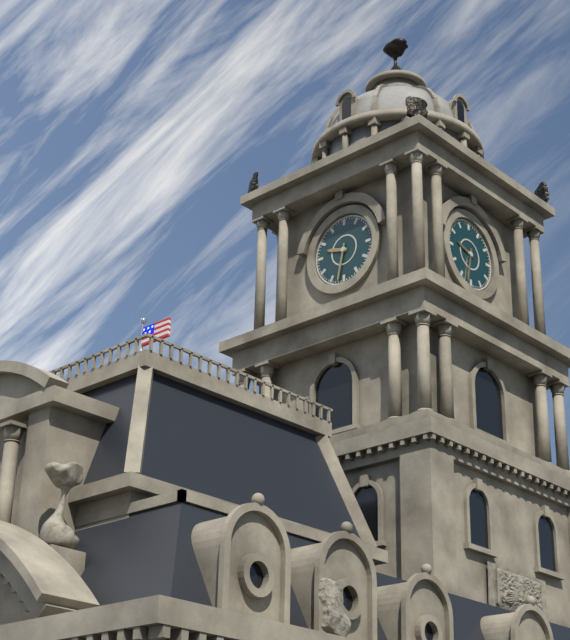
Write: 9:32
